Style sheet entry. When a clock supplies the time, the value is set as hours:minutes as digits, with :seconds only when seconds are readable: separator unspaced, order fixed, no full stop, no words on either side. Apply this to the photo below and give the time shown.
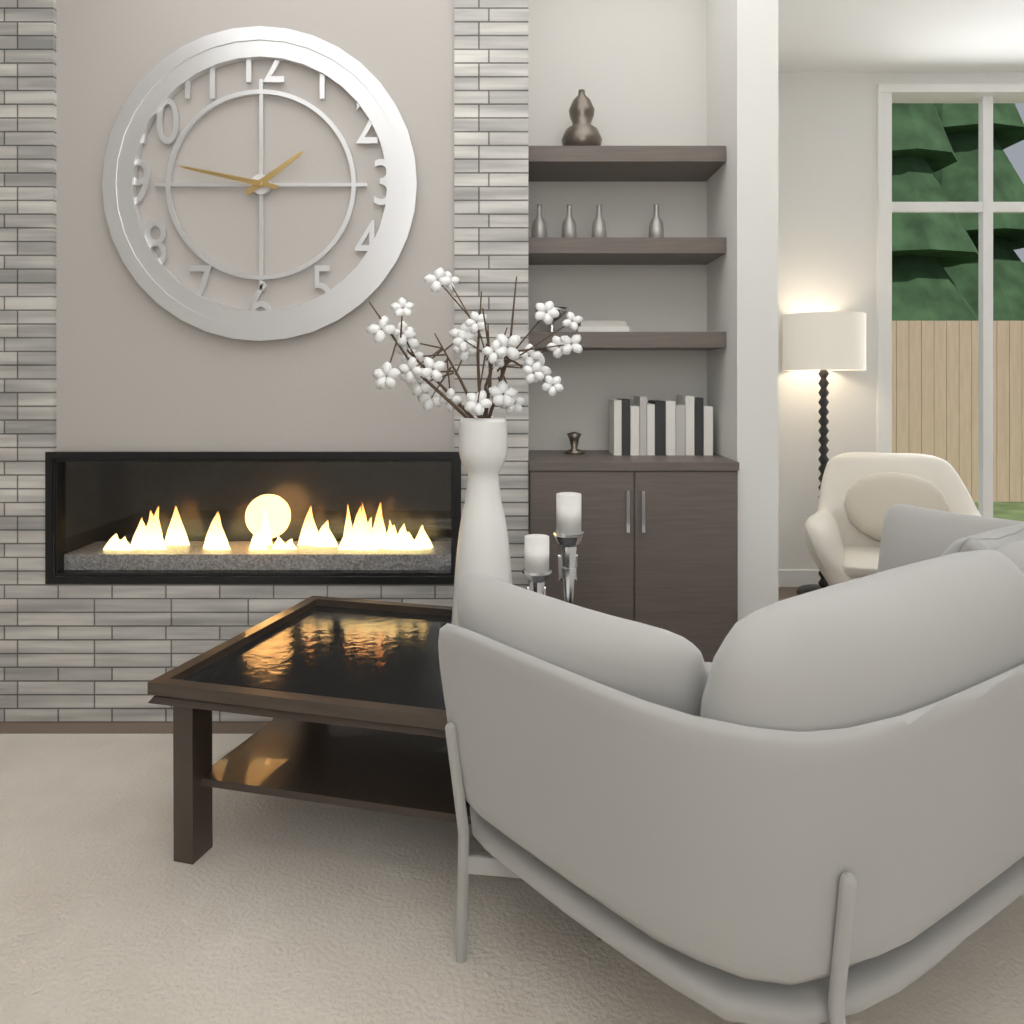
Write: 1:47
